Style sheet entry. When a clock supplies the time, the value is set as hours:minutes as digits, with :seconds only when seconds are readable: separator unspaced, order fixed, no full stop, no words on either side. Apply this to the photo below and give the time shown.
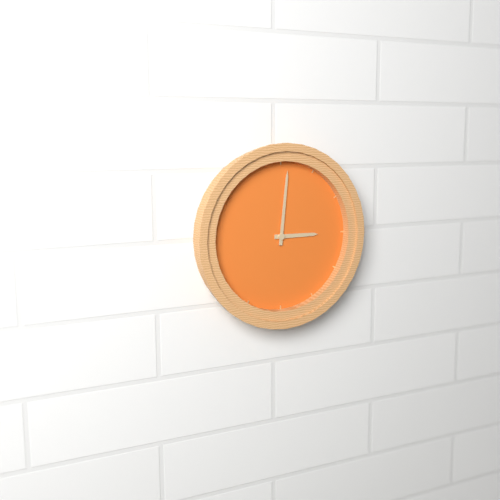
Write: 3:01
